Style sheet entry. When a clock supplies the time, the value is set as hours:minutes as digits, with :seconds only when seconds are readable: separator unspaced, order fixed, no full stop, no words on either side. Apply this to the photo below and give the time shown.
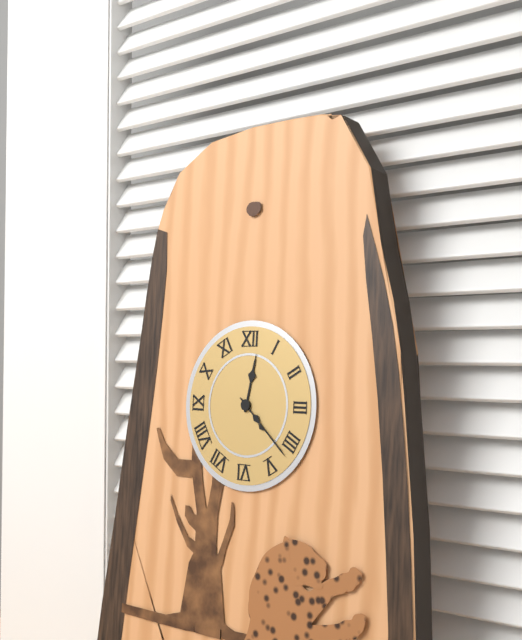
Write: 12:22
